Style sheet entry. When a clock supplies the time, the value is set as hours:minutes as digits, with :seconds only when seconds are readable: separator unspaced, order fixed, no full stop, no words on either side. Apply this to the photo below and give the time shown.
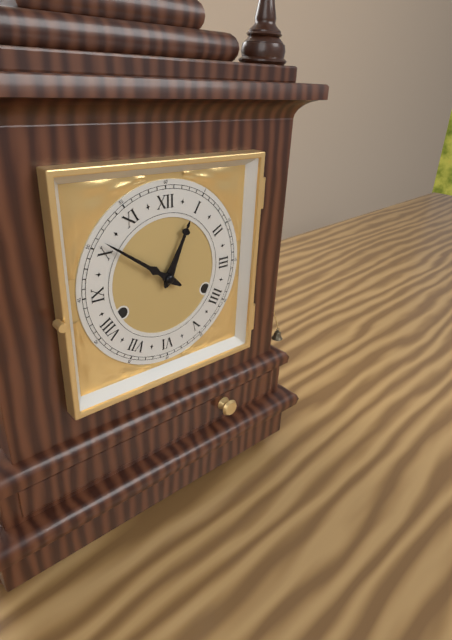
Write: 12:51
